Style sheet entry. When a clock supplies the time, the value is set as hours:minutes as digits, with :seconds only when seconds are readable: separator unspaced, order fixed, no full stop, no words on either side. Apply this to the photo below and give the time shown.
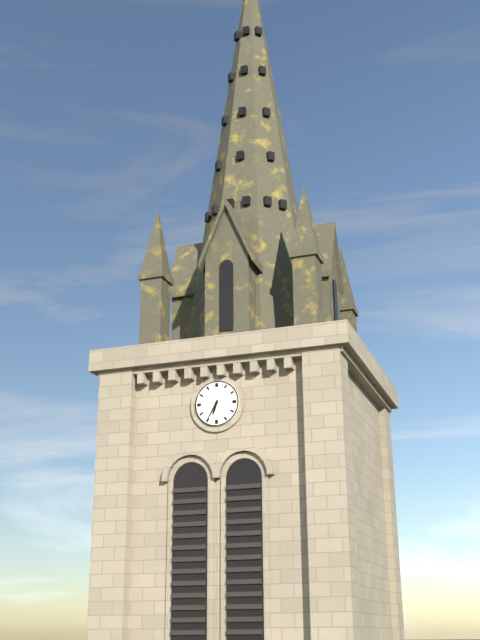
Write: 6:35
